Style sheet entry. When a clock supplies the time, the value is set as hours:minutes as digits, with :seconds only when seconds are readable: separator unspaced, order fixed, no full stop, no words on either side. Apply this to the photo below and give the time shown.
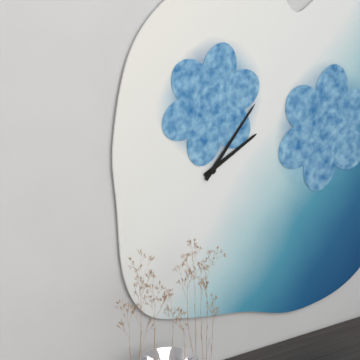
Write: 2:07
